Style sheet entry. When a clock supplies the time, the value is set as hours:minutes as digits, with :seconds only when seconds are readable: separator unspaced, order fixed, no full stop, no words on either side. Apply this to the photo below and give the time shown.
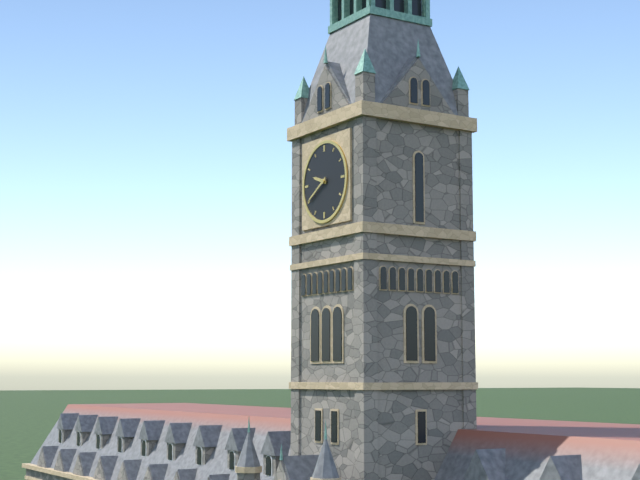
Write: 9:40
